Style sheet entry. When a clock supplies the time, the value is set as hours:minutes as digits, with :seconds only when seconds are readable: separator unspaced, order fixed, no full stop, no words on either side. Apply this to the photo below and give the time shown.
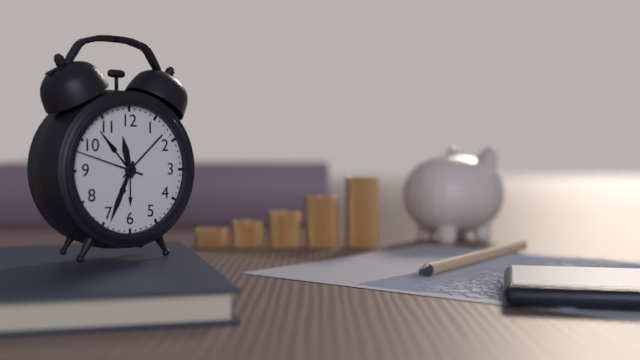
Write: 11:34:48
